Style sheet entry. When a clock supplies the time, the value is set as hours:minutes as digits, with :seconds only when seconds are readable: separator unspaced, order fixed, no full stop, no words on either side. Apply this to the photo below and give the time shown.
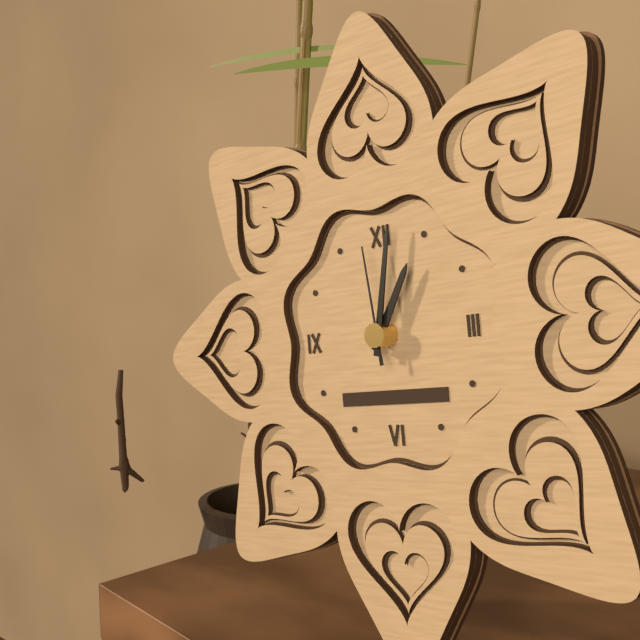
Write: 1:02:59
